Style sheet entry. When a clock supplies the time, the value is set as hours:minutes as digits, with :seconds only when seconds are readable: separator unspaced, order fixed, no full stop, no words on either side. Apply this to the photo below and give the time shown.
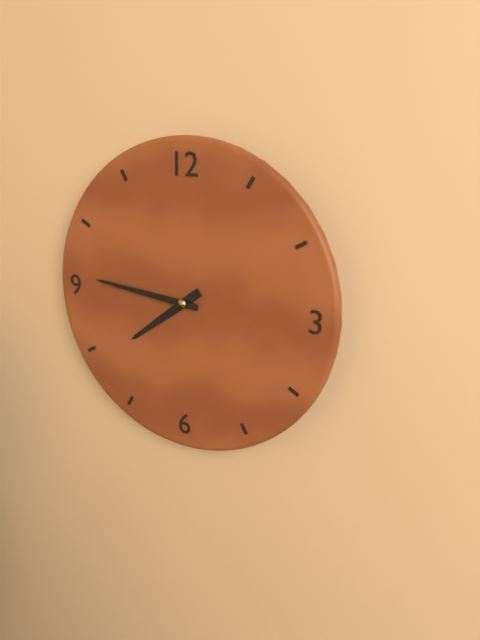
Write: 7:46
